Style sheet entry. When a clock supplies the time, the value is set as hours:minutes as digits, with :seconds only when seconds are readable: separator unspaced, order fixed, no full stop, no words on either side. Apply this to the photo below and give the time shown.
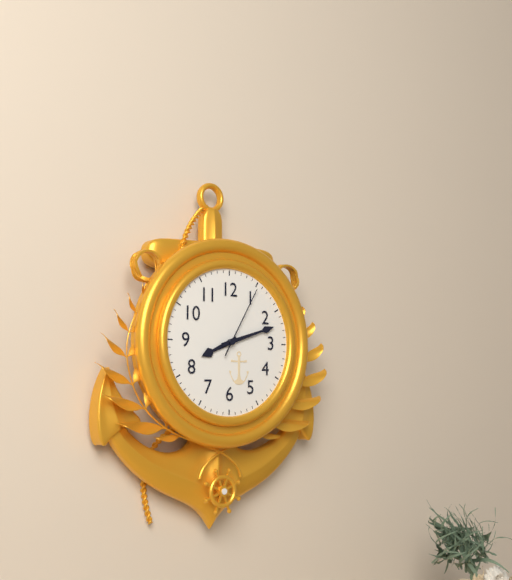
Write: 8:12:05
